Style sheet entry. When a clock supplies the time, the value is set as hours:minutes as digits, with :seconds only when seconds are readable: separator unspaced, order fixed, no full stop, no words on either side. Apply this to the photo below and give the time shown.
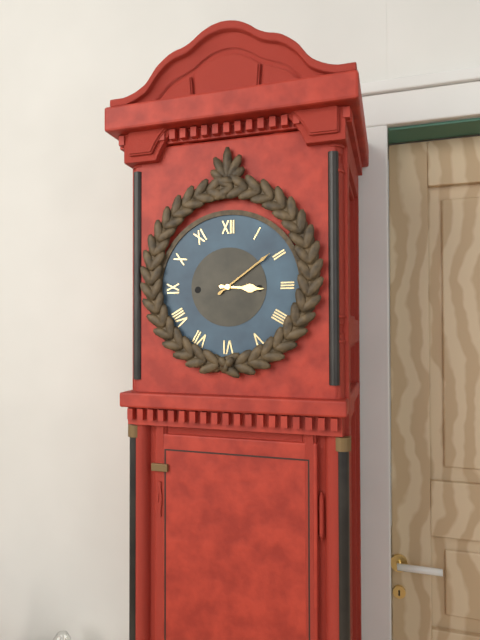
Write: 3:09
